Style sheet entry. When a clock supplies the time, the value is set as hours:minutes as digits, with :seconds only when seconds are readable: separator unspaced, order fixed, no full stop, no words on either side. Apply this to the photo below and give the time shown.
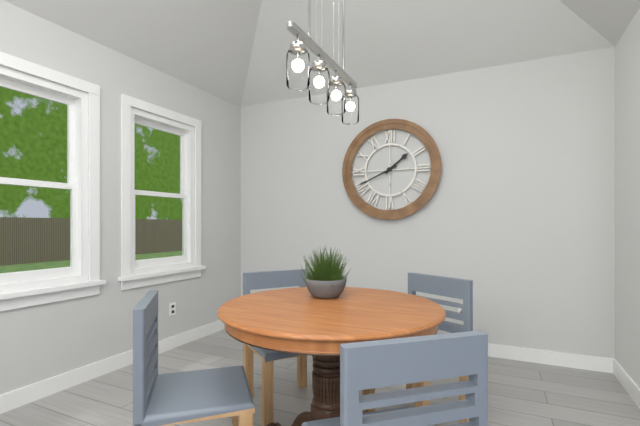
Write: 1:41
